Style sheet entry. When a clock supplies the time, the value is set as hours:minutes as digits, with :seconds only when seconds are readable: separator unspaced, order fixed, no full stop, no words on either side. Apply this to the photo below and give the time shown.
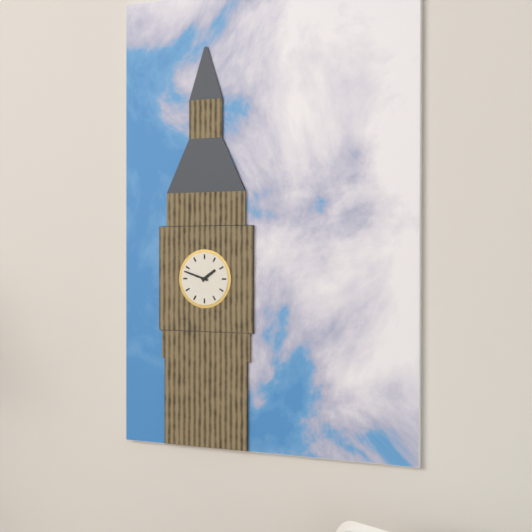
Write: 1:48
